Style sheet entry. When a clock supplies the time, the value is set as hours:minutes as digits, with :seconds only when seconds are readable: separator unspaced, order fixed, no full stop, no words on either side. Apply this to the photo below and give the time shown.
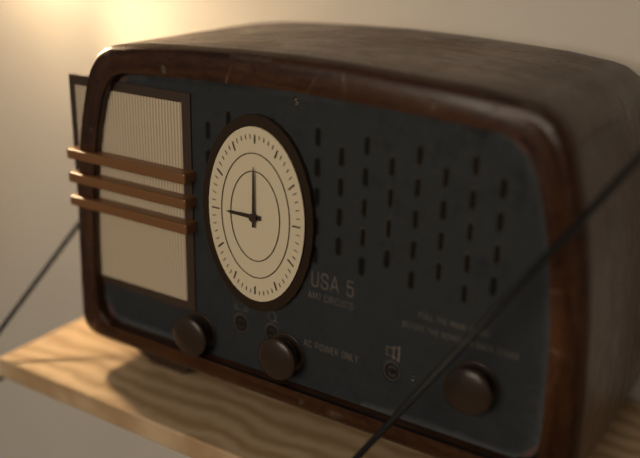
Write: 9:00
